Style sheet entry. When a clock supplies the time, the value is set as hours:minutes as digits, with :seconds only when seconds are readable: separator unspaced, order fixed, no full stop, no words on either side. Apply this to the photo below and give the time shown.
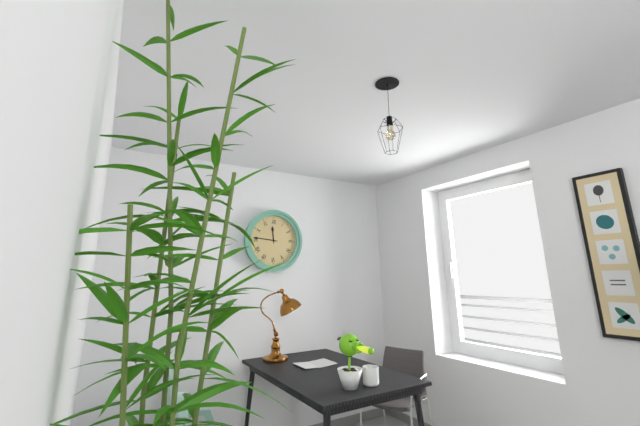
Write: 11:46
